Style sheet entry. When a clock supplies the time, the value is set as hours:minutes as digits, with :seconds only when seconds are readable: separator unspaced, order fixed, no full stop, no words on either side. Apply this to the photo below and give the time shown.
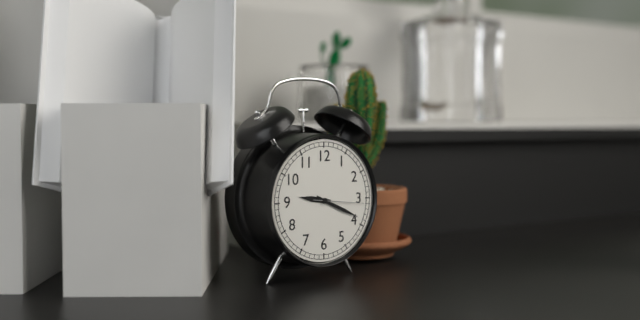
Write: 9:19:16
